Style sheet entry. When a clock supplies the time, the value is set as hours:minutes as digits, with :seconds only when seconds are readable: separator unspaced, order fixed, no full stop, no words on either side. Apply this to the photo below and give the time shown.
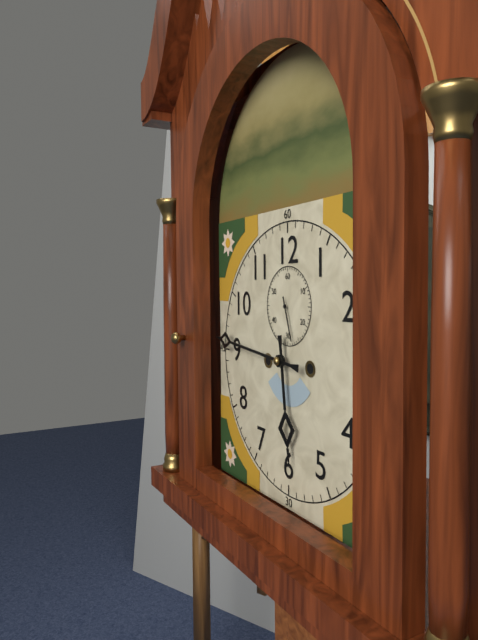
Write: 5:46
